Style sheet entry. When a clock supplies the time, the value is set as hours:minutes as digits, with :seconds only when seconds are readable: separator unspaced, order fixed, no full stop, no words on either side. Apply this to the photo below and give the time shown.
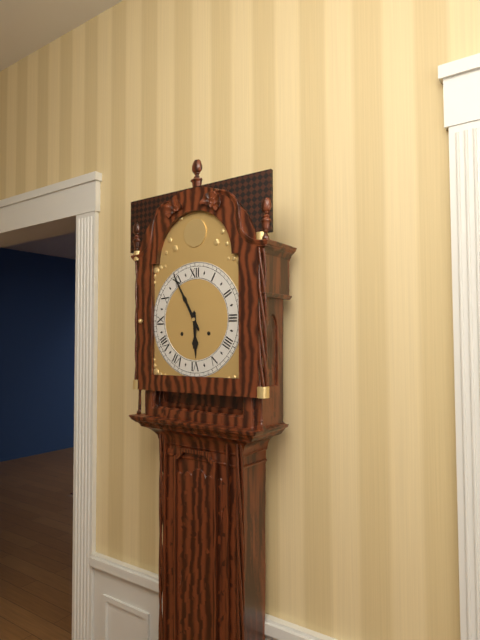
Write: 5:55
